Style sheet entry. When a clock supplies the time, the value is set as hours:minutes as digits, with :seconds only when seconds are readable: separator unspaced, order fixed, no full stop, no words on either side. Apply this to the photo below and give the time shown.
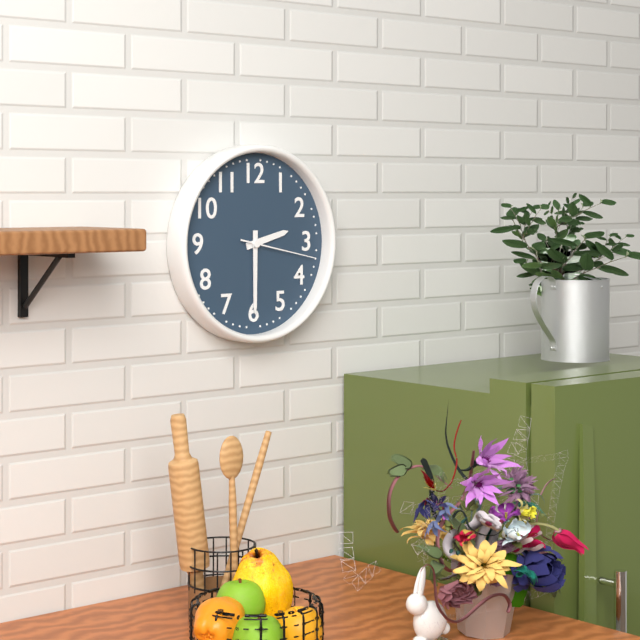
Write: 2:30:17
